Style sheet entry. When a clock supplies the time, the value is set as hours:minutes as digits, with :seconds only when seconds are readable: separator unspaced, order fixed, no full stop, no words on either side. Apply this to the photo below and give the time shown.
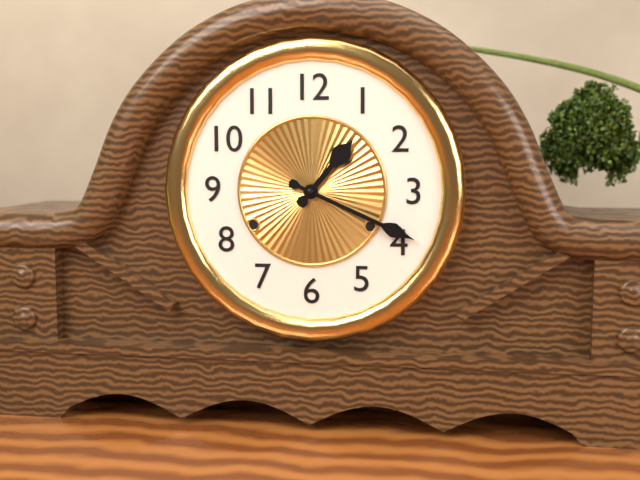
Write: 1:19
